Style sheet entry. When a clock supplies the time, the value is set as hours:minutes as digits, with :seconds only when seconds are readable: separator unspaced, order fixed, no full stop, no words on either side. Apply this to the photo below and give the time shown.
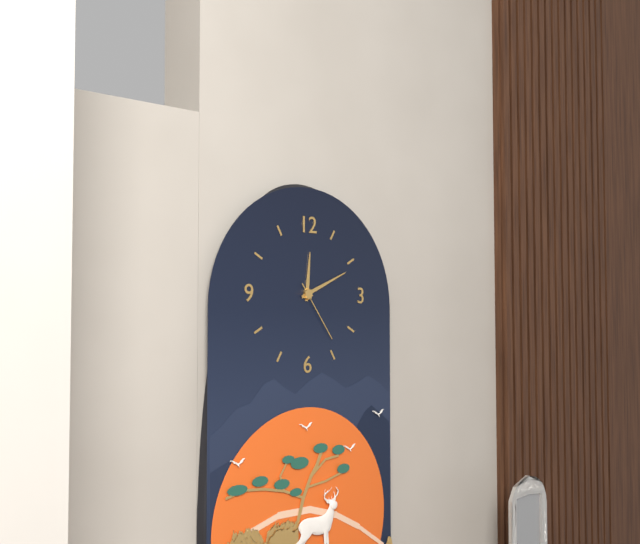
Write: 12:11:24
